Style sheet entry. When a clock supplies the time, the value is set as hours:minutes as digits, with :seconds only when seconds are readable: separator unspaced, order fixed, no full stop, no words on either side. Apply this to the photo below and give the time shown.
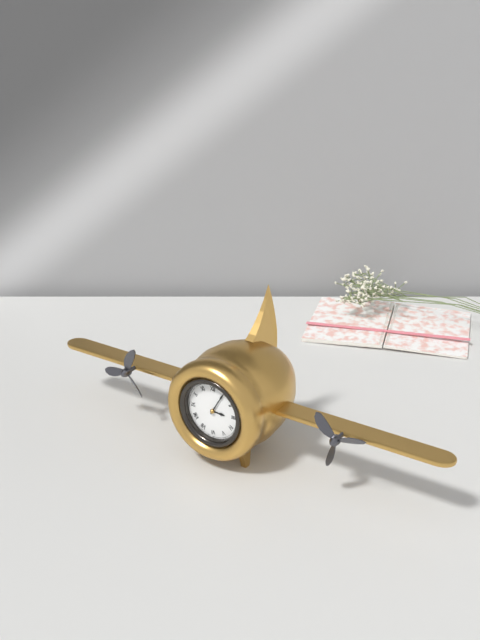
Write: 3:05
